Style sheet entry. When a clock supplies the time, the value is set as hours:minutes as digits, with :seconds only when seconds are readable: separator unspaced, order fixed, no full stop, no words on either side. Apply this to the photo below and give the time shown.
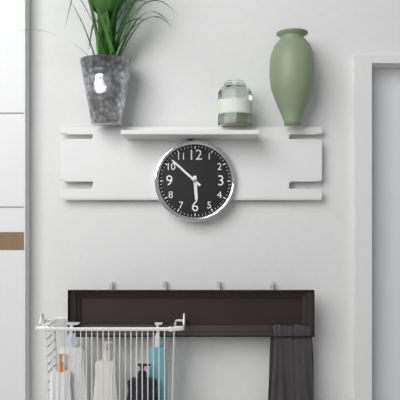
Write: 5:52
